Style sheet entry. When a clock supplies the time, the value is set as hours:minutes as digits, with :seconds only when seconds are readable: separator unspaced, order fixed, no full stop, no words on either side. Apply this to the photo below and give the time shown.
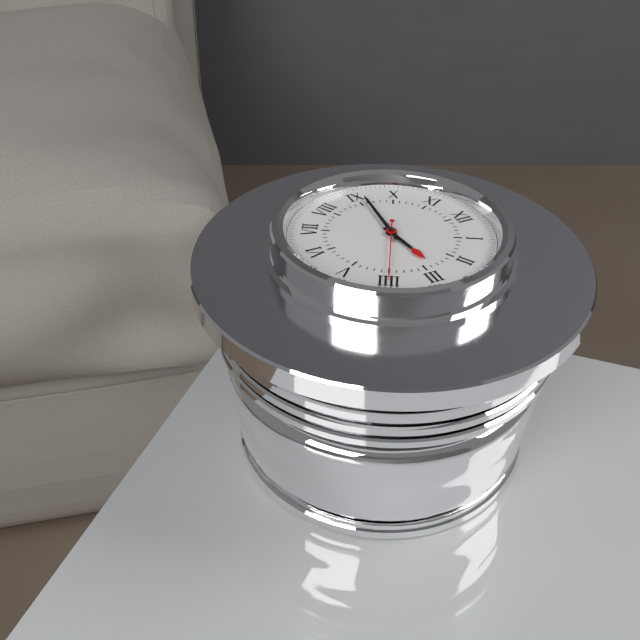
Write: 2:46:20
